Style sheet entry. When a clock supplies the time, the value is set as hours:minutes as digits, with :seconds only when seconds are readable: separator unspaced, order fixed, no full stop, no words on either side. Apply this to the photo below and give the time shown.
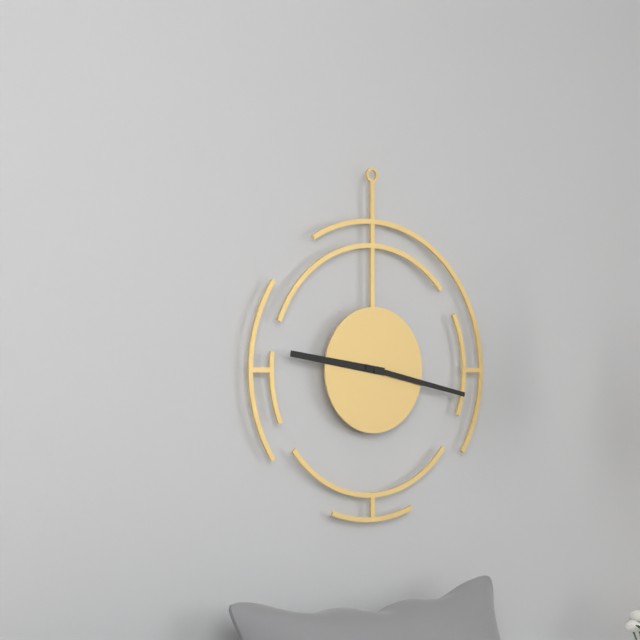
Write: 9:17
